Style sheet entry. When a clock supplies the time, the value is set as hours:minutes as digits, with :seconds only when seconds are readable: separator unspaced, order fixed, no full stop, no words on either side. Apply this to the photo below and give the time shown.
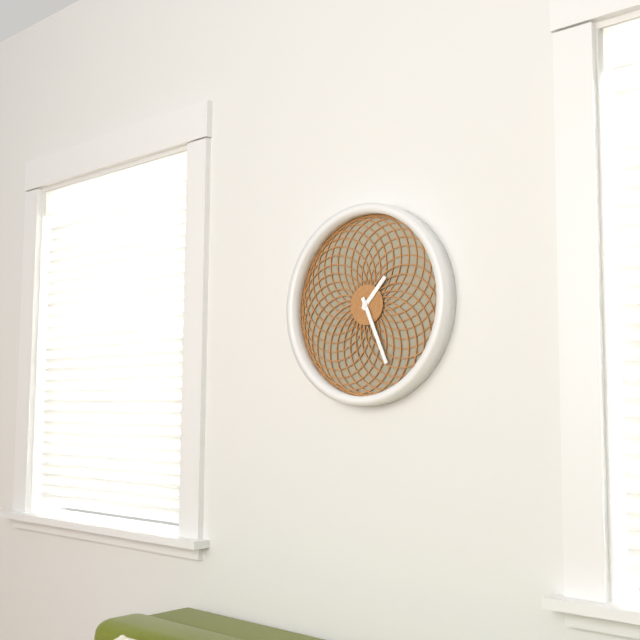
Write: 1:26
